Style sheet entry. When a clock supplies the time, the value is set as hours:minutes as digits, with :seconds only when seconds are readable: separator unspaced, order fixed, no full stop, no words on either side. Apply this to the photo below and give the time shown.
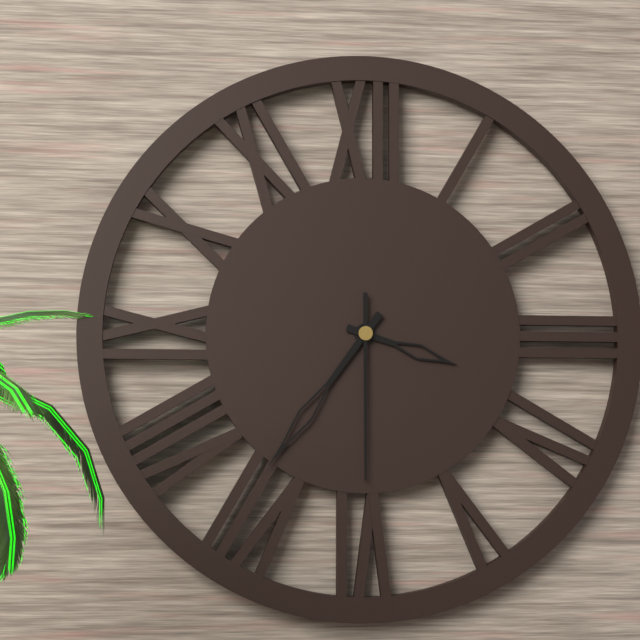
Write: 3:36:30
